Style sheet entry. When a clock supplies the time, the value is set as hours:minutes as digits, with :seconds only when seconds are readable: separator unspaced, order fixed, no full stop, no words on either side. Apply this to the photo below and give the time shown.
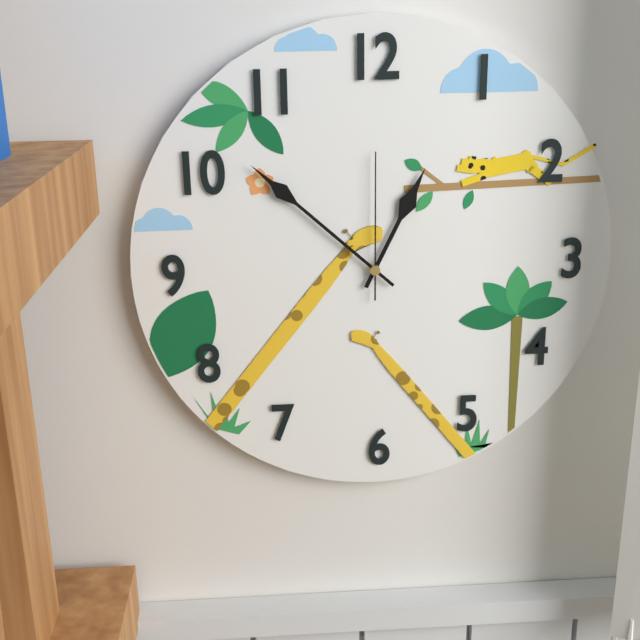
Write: 12:52:00
